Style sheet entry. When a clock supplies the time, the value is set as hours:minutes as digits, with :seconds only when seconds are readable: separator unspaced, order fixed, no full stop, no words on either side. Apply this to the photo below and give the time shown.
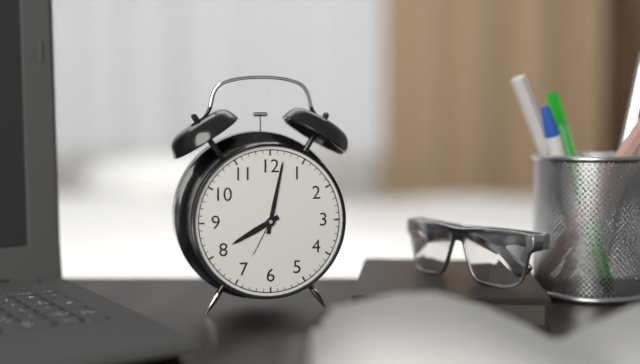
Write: 8:02
